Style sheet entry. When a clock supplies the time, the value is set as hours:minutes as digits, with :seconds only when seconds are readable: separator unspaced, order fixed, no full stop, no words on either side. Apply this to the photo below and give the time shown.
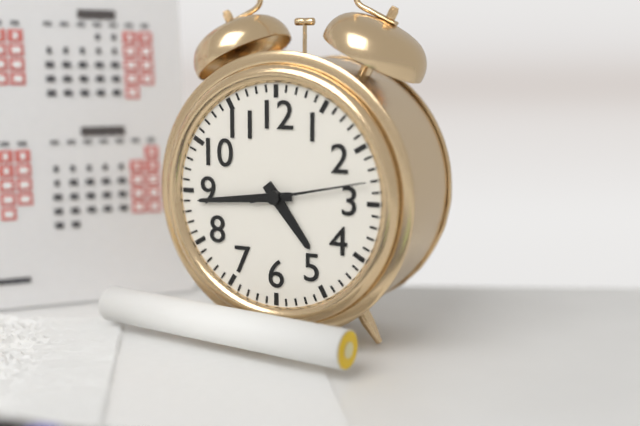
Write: 4:44:13
